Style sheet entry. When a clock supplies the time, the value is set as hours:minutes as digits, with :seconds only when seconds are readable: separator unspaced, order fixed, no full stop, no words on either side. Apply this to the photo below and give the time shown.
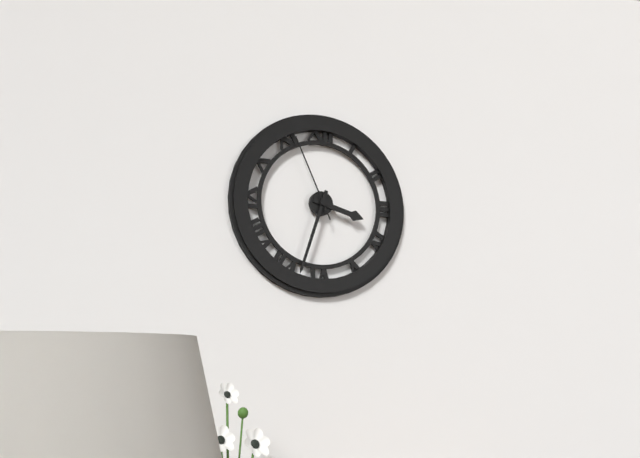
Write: 3:33:56
